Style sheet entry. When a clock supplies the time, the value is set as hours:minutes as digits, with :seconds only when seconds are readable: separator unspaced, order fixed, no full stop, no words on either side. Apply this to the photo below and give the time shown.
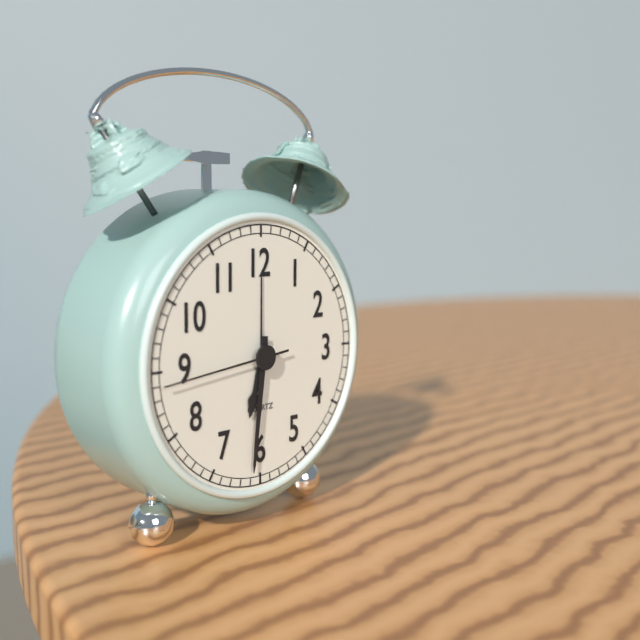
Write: 6:31:44
